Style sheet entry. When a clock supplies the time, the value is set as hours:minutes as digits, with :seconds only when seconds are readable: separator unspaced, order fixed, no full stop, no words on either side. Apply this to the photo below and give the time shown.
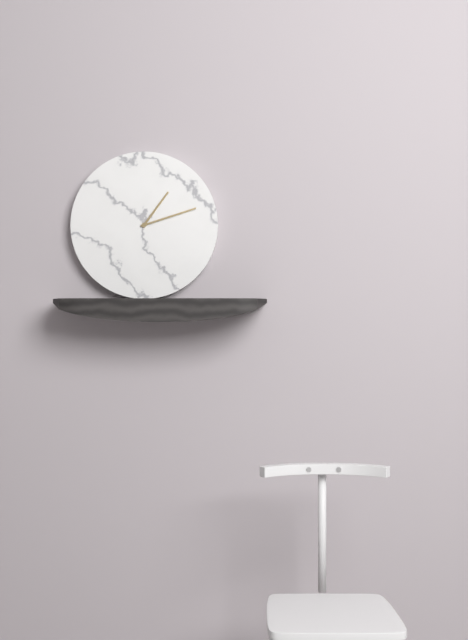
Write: 1:12
